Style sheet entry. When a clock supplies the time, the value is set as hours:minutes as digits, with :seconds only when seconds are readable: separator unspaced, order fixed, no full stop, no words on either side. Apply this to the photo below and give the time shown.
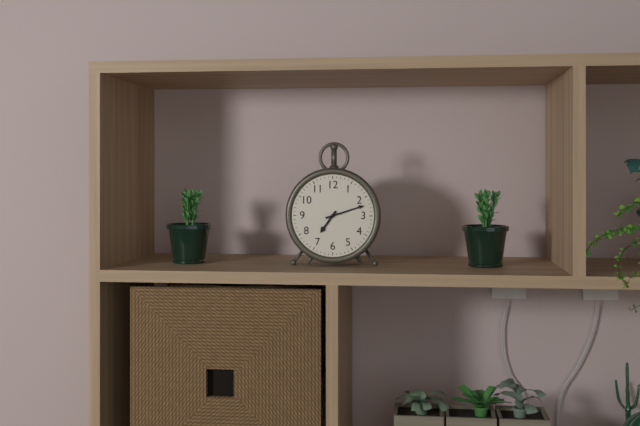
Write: 7:12
